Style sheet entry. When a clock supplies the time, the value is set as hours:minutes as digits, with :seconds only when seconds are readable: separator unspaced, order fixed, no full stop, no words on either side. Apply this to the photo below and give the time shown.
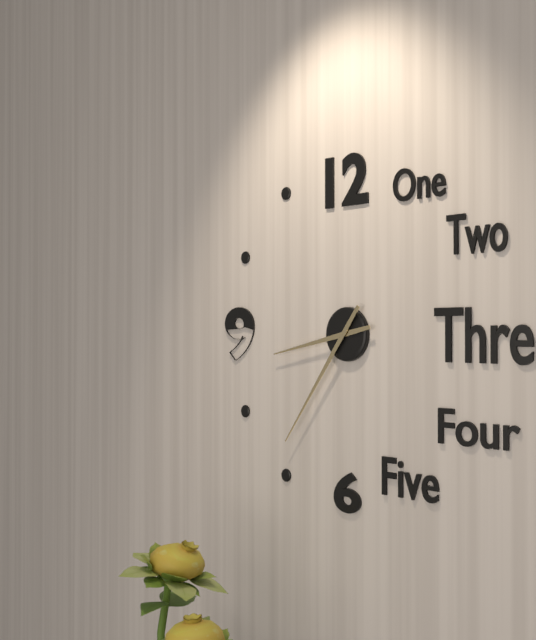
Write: 8:36
